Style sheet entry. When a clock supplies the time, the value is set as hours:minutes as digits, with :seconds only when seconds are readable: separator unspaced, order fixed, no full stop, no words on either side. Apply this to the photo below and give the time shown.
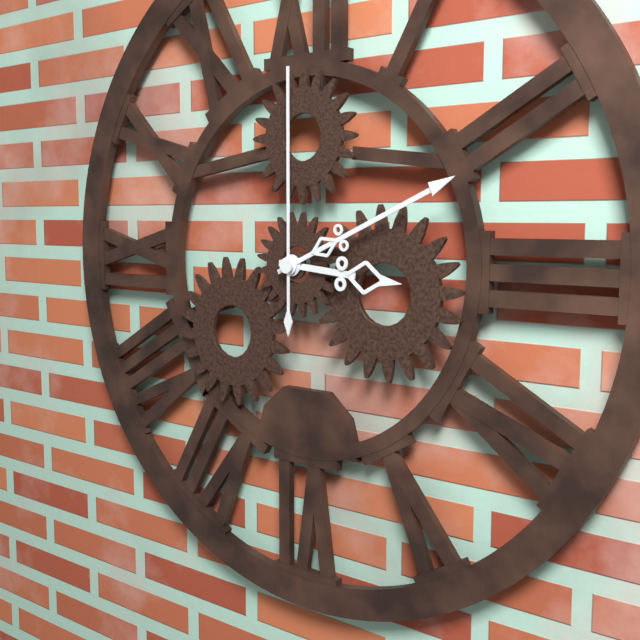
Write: 3:11:00
